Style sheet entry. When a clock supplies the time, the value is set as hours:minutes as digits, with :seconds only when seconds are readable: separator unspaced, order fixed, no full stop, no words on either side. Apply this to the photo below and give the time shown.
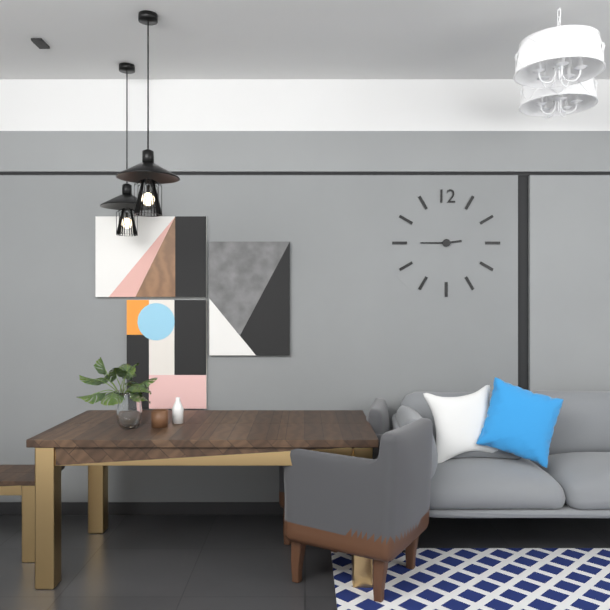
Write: 2:45
